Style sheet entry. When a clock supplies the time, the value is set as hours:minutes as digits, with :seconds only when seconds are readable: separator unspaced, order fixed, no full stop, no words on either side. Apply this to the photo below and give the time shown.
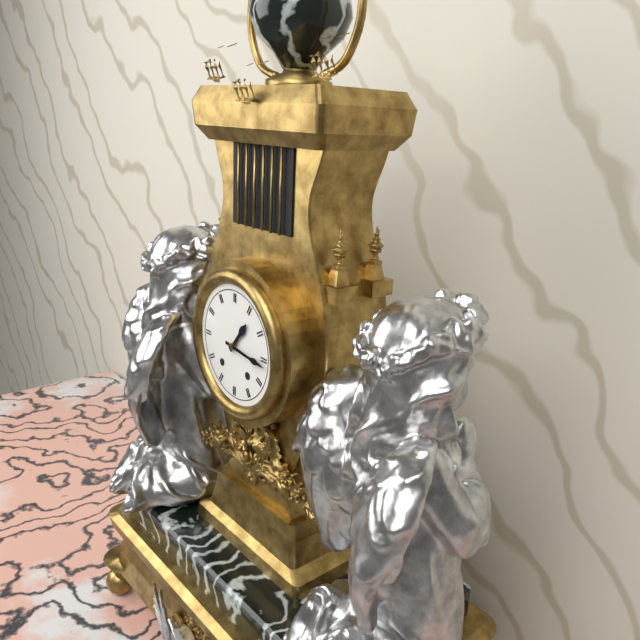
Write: 1:16
